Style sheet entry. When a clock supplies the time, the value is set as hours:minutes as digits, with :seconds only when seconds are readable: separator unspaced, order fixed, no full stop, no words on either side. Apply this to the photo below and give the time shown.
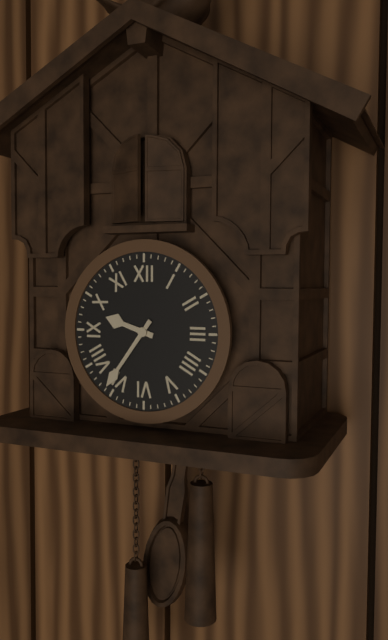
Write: 9:36
